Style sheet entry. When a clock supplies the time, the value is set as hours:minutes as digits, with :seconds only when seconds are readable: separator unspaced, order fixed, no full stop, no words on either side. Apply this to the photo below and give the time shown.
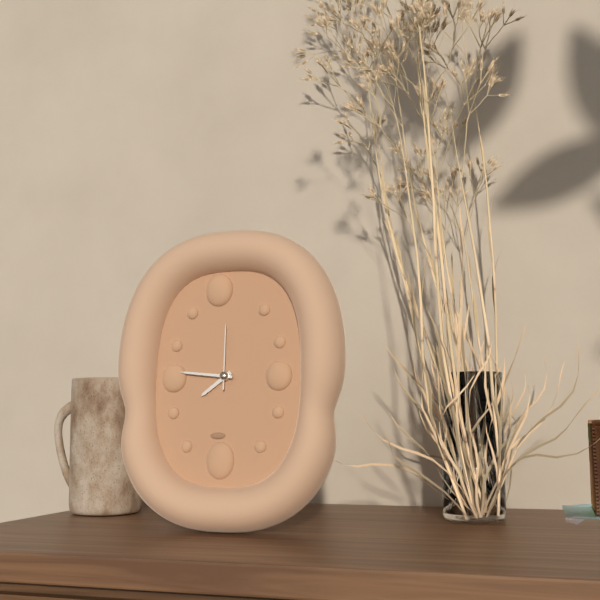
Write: 7:46:00
